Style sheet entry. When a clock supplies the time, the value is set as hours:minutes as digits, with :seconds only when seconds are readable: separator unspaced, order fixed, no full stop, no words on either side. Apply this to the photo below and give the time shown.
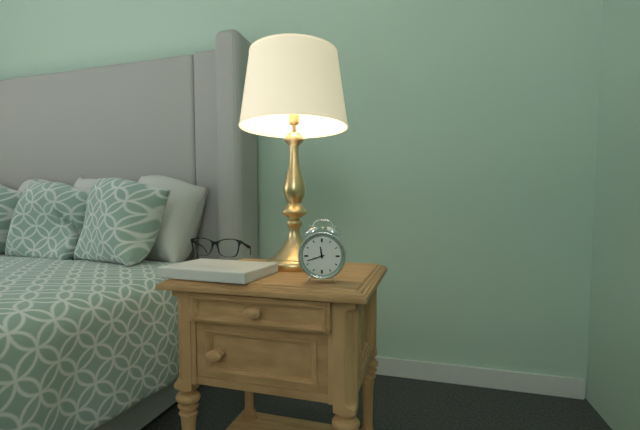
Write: 11:42
